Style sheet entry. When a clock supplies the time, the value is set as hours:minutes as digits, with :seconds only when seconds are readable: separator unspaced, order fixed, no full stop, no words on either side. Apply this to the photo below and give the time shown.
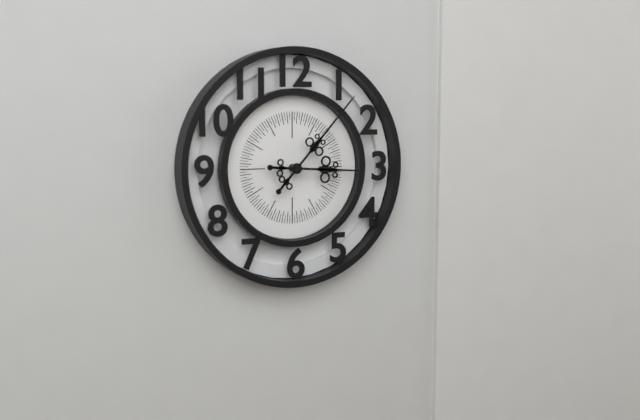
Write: 3:07
